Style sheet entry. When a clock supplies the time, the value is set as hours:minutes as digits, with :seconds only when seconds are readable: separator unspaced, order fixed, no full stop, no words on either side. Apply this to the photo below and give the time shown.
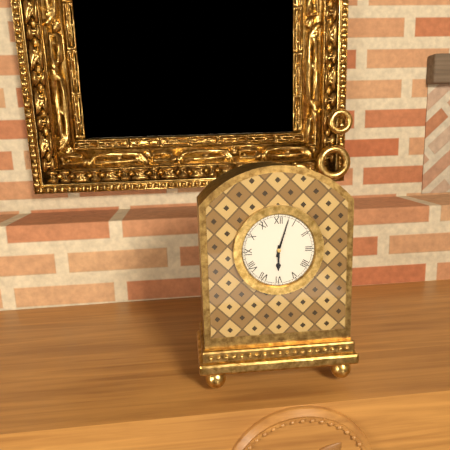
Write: 6:03
